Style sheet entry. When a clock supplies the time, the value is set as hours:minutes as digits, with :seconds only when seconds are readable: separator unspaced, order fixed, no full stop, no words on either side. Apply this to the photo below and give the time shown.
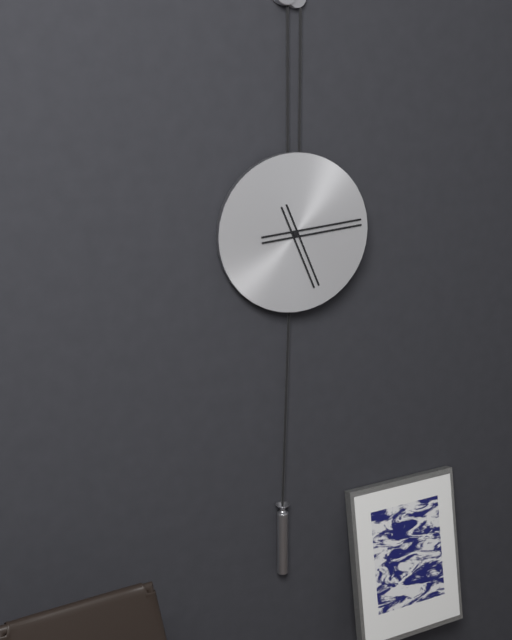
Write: 5:14
